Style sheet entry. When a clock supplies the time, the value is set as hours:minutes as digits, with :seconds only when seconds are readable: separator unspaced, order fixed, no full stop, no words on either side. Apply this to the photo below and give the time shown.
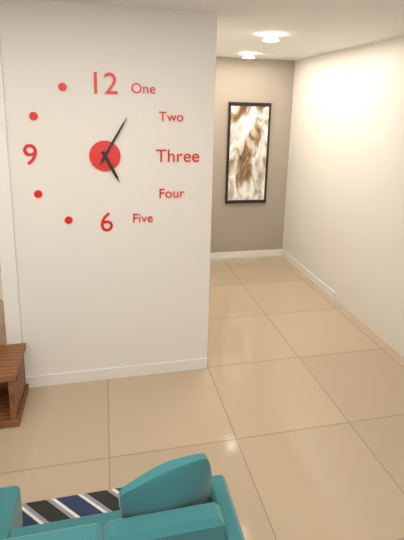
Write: 5:05:05
